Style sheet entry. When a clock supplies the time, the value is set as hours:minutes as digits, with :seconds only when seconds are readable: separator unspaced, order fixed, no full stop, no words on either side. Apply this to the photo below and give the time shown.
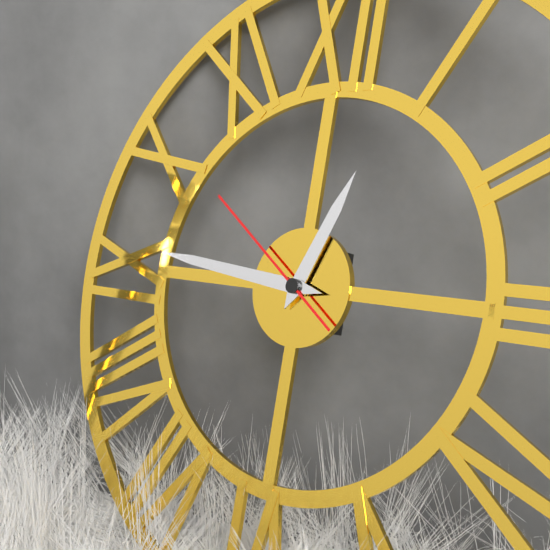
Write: 12:46:51
